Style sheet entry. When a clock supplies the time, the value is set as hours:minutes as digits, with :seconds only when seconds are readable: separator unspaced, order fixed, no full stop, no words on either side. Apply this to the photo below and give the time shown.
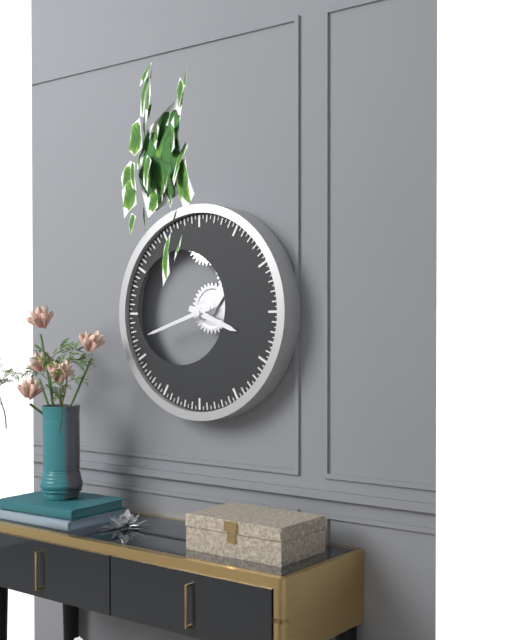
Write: 3:42
